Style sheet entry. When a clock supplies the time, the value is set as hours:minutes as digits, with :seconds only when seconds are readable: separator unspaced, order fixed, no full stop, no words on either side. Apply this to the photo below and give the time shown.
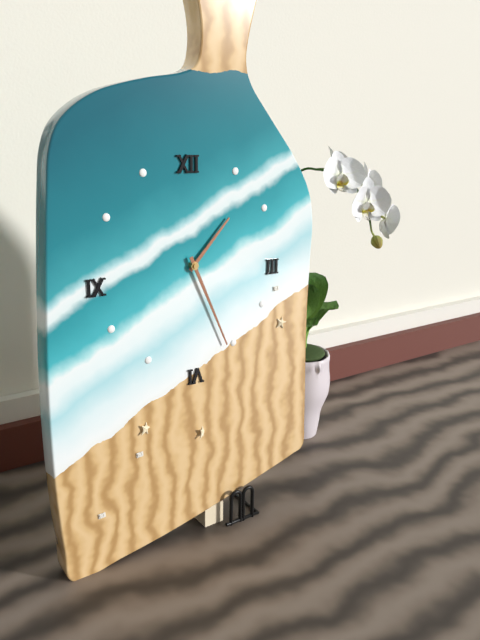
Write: 1:26
